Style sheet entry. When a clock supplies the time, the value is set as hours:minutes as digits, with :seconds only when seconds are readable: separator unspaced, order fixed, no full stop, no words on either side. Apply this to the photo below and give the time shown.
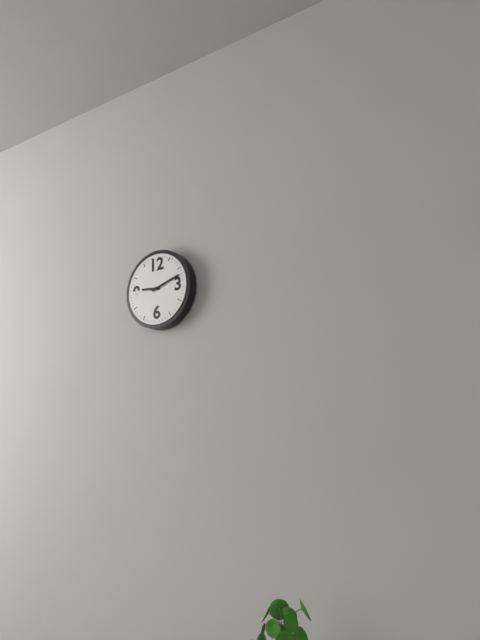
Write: 9:12
